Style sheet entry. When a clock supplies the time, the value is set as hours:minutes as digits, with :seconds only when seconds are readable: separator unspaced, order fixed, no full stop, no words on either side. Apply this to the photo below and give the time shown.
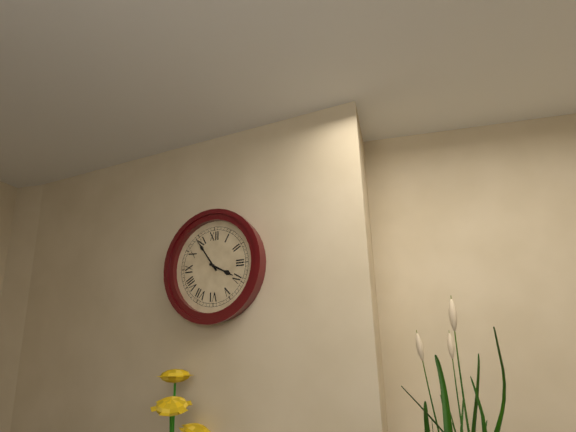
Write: 3:54
